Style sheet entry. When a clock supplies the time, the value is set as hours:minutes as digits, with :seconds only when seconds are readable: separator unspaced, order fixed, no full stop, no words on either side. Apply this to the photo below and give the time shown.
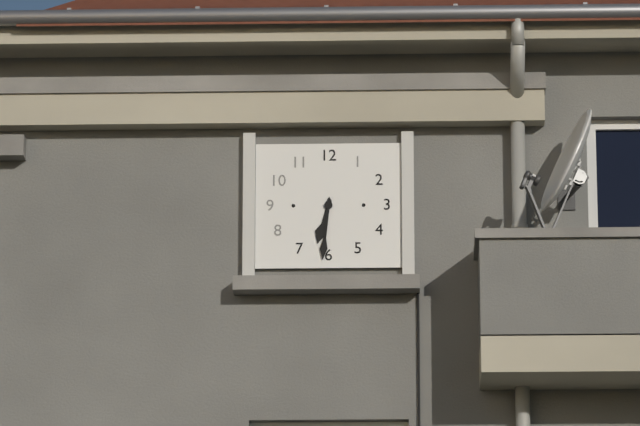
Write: 6:31
